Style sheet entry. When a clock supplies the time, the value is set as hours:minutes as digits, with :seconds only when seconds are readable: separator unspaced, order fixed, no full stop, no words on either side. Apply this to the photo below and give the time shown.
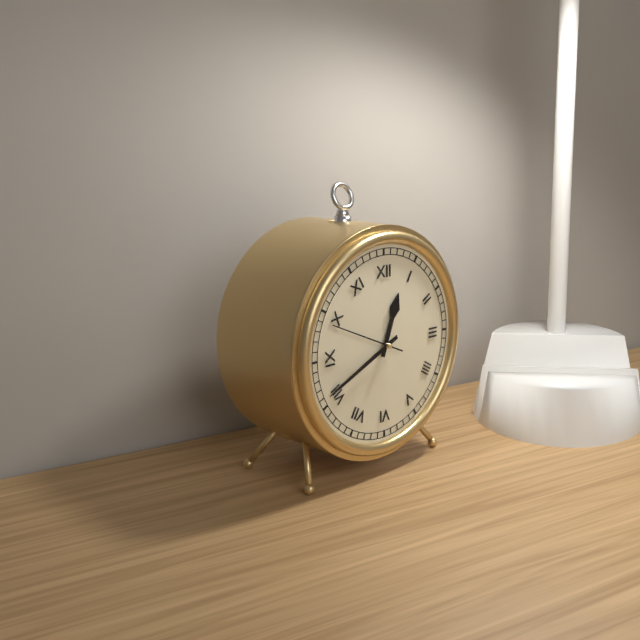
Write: 12:41:49
